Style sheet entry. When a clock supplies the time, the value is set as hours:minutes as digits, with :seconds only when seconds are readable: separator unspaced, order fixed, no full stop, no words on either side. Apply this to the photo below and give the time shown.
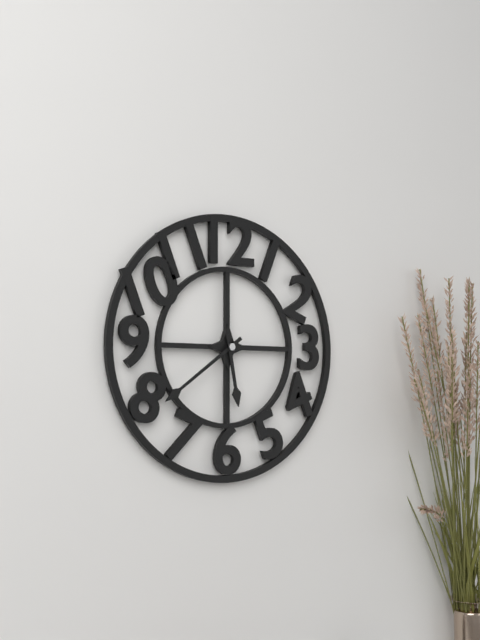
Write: 5:39
